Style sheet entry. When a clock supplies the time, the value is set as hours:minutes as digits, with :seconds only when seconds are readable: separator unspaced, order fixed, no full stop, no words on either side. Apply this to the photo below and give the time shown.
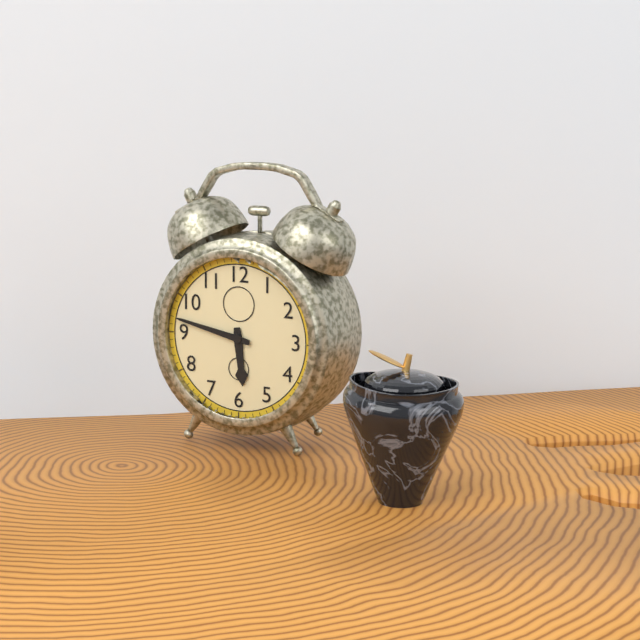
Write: 5:47
